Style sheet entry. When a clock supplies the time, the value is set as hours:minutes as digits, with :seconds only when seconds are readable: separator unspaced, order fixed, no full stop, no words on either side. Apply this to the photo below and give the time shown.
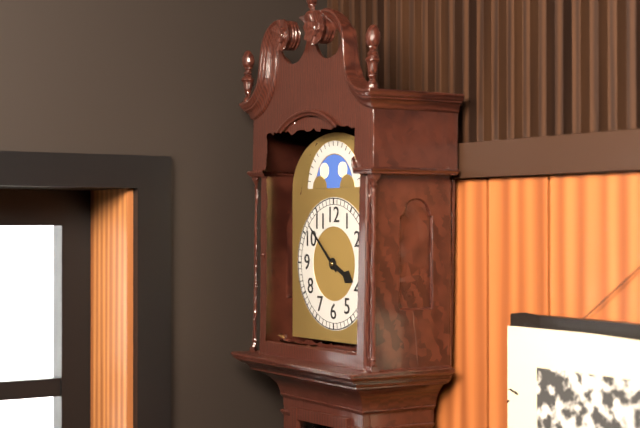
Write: 3:52
